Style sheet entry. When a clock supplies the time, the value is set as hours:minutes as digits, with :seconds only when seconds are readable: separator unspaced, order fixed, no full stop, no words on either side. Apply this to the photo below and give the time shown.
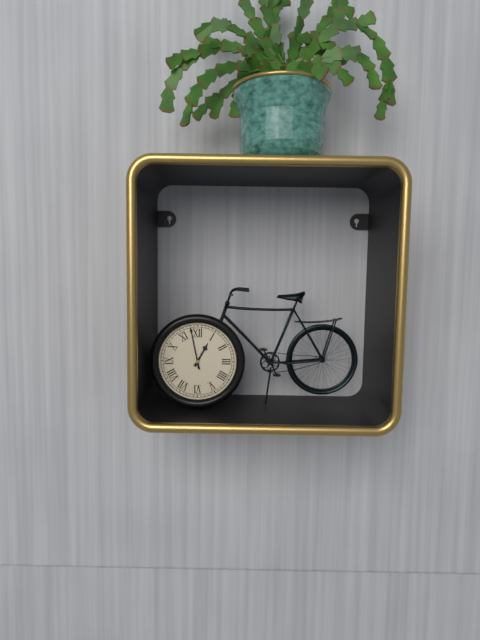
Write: 12:58
